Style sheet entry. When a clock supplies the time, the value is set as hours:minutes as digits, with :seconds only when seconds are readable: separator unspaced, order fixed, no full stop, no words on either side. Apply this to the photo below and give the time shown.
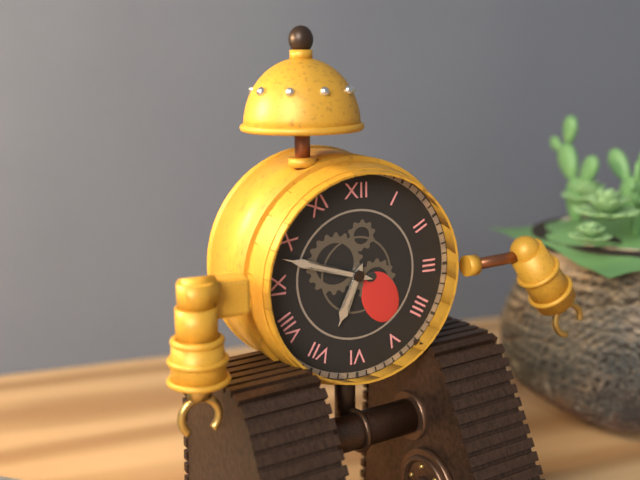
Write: 6:48
